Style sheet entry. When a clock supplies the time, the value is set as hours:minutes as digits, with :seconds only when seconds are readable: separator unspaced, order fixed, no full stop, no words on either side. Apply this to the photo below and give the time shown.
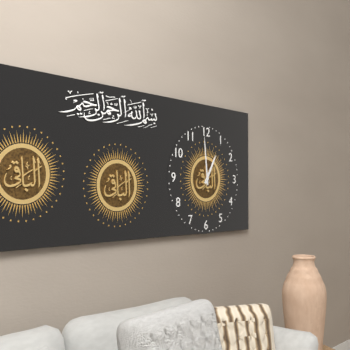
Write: 12:59
